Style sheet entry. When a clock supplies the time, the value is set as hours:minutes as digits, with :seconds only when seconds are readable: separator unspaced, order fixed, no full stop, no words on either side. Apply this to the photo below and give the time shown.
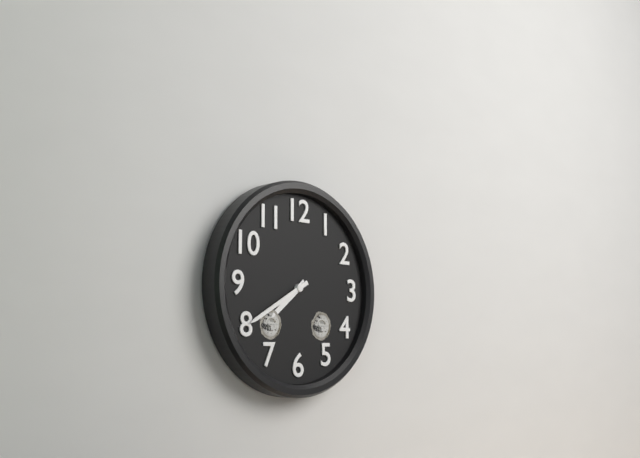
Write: 7:40
